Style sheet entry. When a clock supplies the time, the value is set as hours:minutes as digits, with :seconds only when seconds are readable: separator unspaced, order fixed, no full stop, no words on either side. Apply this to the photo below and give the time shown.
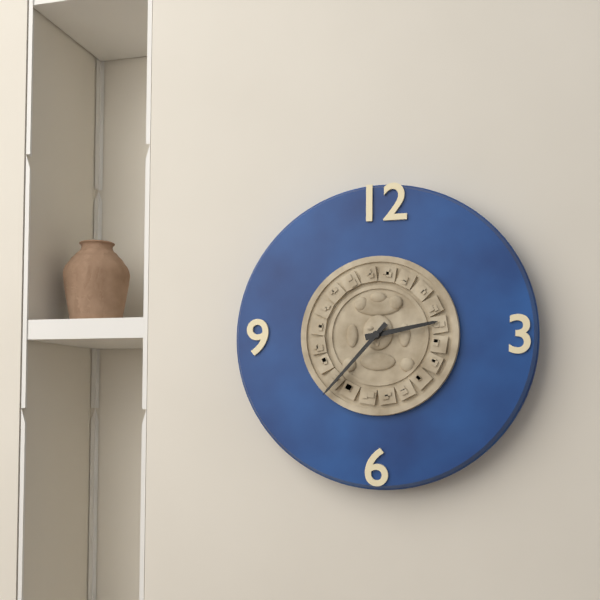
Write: 2:37
